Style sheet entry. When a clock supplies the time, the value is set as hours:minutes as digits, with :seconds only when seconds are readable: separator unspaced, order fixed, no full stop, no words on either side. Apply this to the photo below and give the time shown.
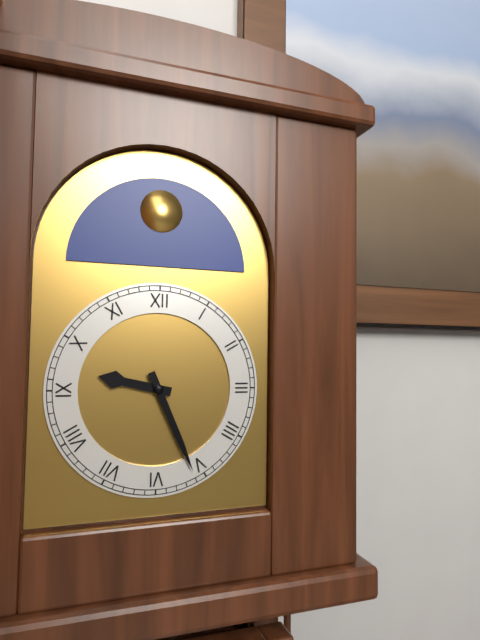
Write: 9:26
